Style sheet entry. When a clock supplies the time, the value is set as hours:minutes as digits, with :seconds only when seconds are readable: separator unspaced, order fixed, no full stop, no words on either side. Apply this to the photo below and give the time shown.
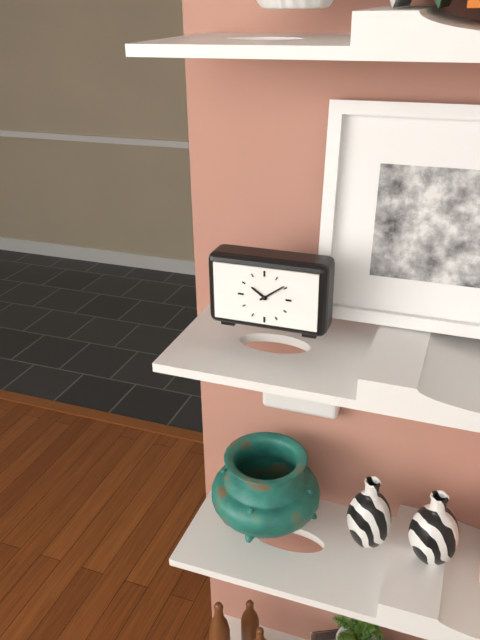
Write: 10:09
